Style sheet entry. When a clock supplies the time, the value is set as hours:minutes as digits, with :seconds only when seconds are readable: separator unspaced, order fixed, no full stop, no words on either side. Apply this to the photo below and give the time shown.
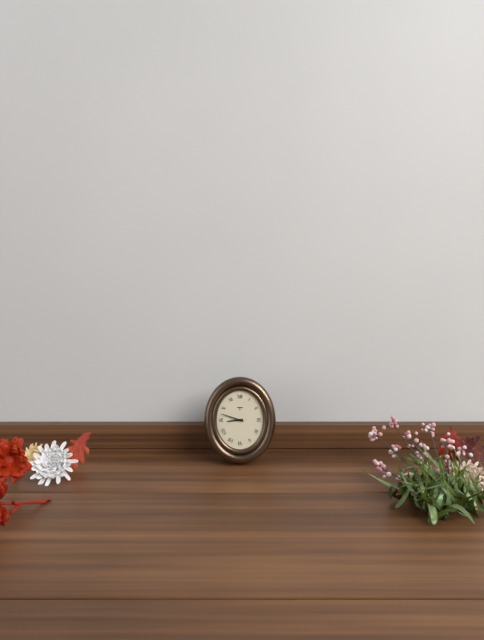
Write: 8:48
